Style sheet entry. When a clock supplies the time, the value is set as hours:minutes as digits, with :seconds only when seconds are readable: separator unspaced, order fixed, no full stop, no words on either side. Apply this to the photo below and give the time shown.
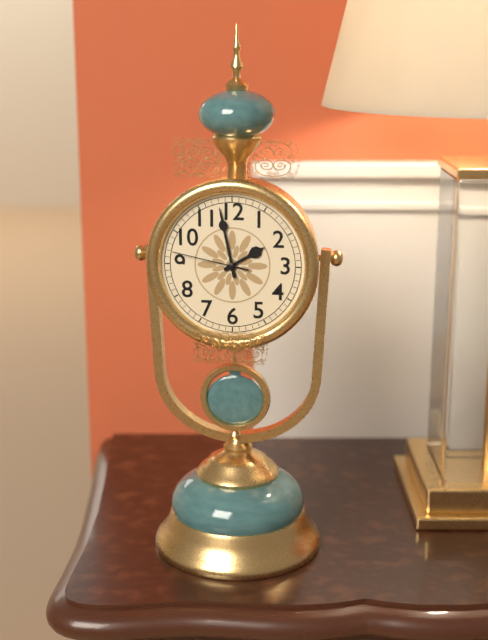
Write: 1:58:47
